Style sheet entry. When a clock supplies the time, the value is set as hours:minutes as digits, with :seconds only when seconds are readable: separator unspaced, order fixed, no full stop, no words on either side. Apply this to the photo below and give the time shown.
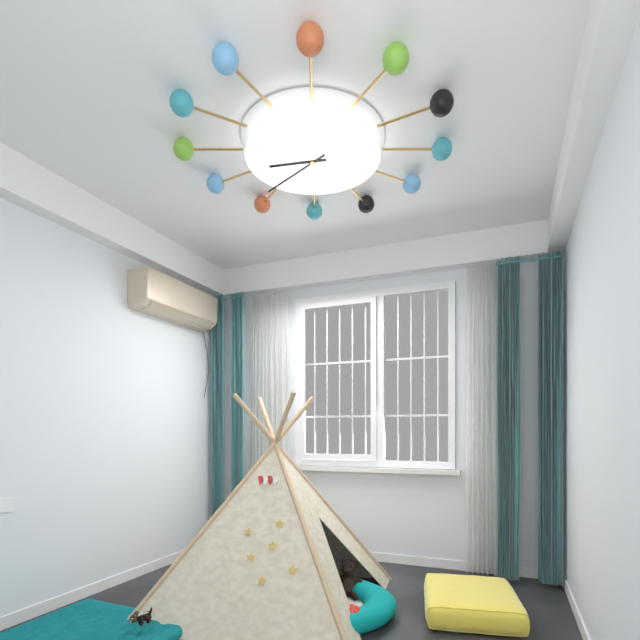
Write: 8:37
